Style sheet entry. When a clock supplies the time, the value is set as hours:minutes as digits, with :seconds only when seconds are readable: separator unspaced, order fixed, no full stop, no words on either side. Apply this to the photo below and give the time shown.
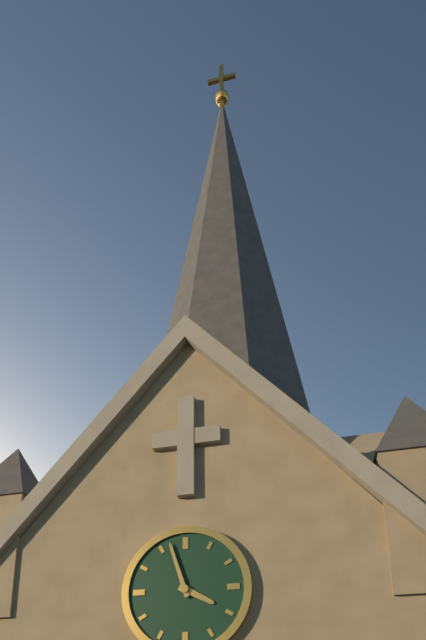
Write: 3:57
